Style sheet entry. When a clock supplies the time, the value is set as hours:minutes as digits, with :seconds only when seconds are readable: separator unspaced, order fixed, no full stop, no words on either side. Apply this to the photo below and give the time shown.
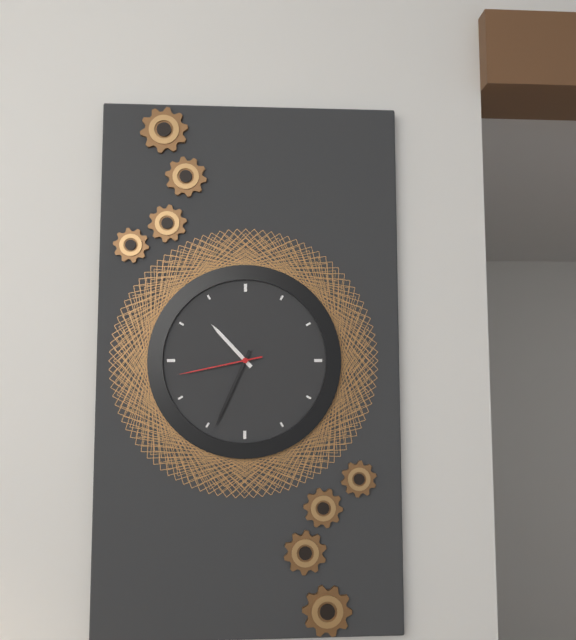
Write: 10:34:43
